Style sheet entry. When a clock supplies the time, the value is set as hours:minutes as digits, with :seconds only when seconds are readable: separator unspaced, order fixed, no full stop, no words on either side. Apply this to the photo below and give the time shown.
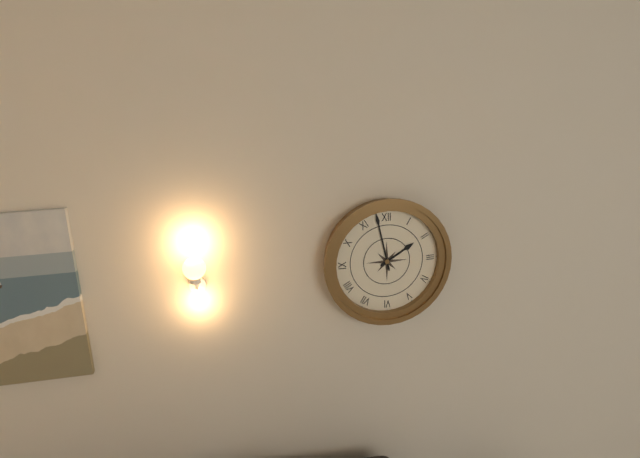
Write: 1:58
